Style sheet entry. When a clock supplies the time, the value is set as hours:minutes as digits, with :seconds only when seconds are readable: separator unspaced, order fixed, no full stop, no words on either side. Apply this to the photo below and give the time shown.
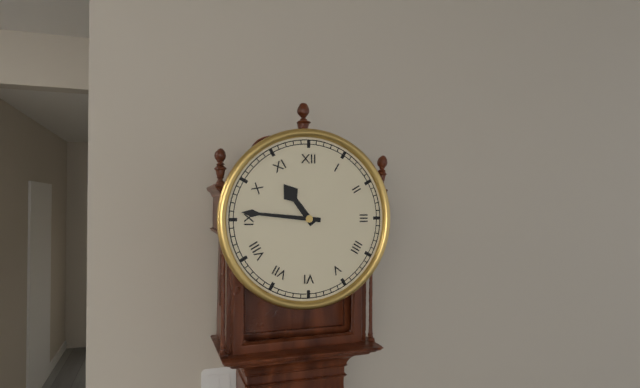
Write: 10:46
